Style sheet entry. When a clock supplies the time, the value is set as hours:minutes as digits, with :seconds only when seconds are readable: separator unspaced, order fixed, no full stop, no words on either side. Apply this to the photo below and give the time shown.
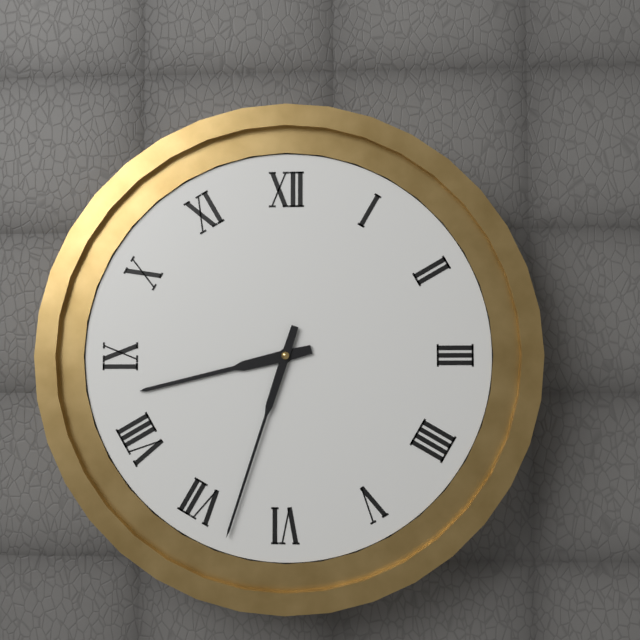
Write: 8:33
